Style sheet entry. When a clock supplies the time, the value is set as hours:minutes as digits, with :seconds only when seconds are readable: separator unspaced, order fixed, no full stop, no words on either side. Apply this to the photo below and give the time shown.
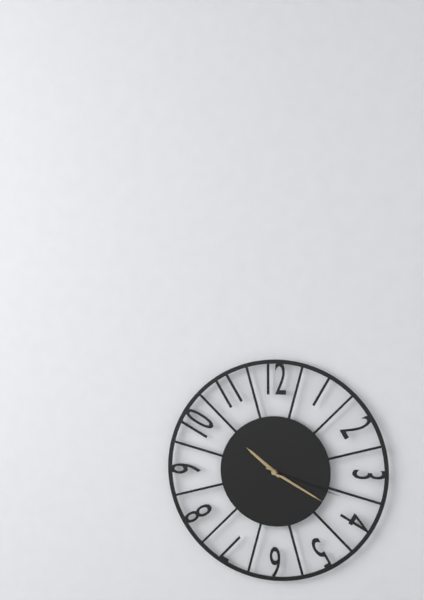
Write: 10:20:18
